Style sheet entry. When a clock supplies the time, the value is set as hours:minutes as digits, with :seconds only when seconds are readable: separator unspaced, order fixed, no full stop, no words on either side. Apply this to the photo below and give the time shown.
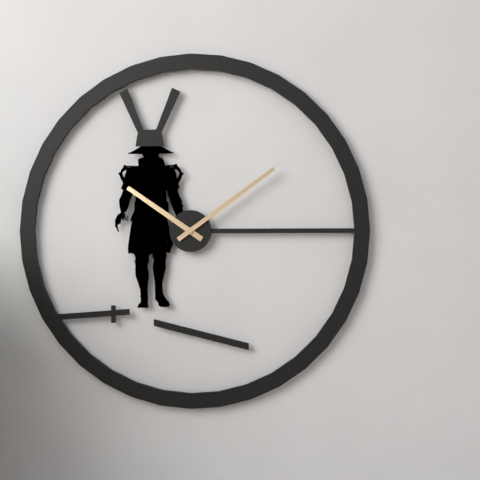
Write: 10:09
